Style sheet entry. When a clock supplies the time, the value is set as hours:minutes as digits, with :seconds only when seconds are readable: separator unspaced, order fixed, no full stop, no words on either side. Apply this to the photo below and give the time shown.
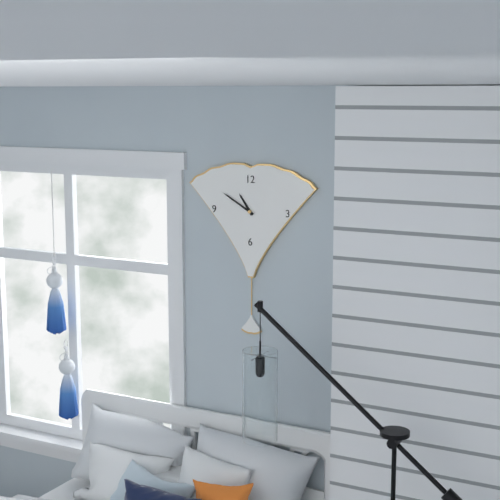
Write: 10:50
